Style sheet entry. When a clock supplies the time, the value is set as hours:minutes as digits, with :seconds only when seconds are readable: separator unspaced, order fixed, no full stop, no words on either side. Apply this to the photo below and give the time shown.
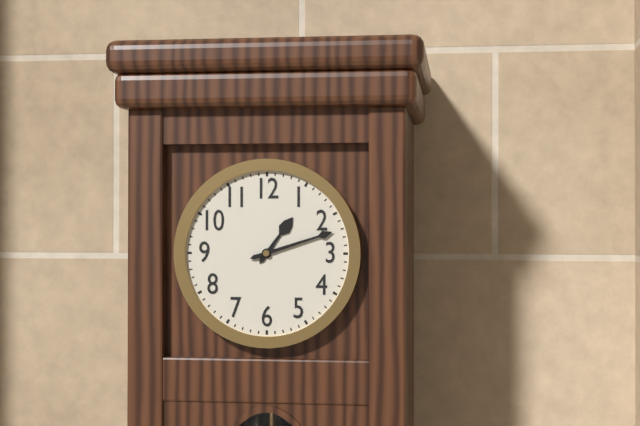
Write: 1:12
